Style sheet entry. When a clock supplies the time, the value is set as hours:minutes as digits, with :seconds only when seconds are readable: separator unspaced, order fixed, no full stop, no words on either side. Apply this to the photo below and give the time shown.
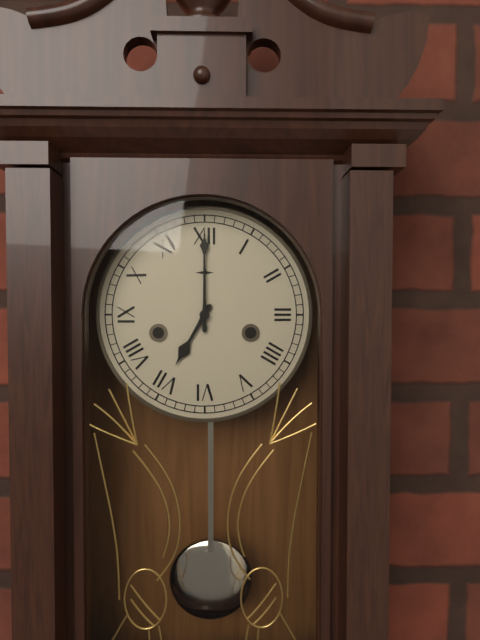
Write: 7:00
